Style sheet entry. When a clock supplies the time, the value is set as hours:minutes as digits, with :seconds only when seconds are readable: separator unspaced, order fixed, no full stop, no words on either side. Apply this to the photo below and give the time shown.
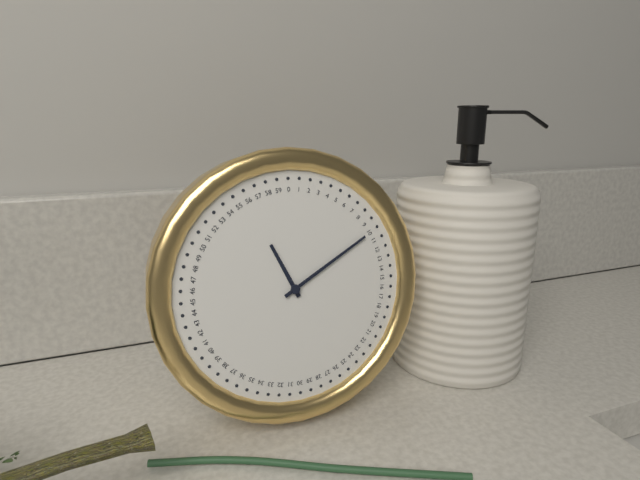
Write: 11:10
